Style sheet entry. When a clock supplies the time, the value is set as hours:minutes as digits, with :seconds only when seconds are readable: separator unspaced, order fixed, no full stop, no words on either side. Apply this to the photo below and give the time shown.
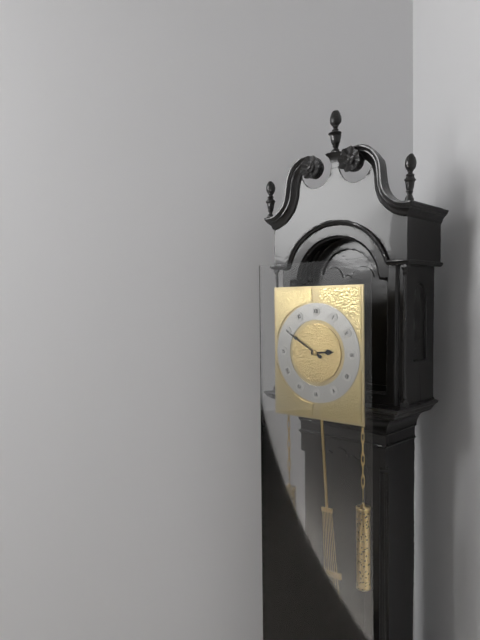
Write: 2:50
